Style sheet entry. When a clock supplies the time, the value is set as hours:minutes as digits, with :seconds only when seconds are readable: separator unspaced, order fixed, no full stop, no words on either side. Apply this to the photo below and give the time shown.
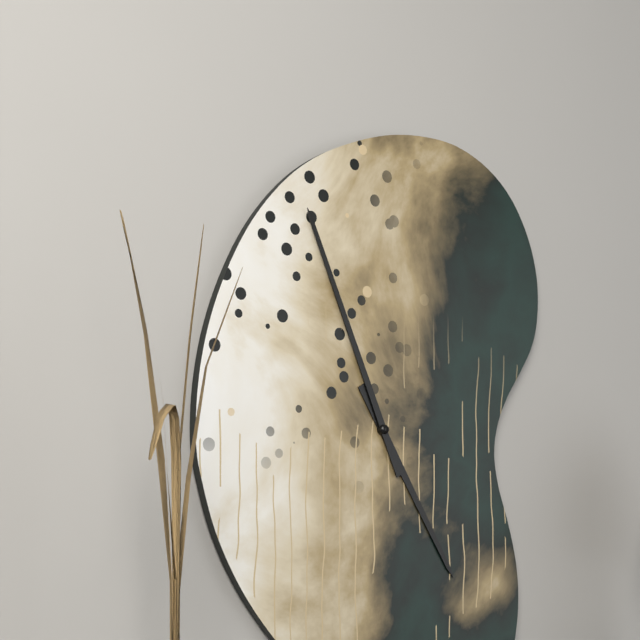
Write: 4:56
